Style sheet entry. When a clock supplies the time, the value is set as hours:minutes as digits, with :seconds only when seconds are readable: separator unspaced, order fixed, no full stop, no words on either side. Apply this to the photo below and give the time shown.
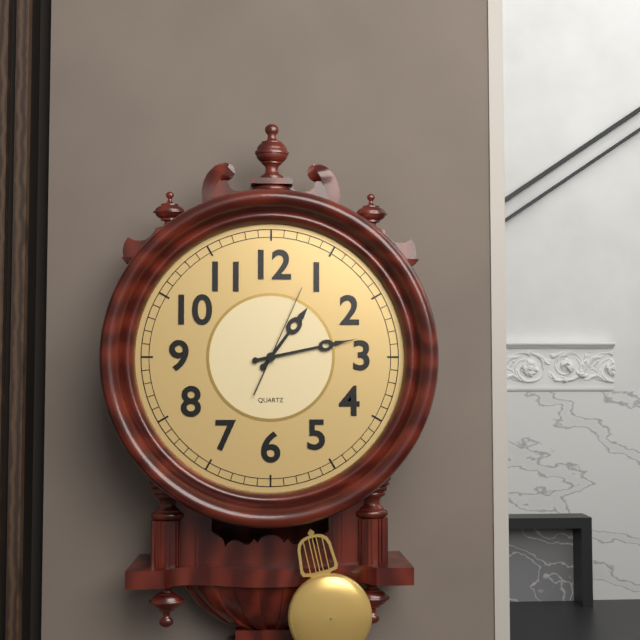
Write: 1:13:04
